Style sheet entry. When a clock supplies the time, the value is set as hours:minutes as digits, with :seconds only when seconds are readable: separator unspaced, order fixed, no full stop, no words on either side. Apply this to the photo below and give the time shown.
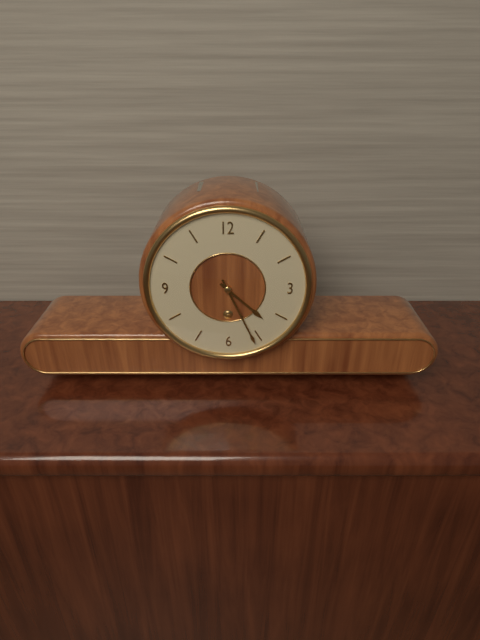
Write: 4:26
